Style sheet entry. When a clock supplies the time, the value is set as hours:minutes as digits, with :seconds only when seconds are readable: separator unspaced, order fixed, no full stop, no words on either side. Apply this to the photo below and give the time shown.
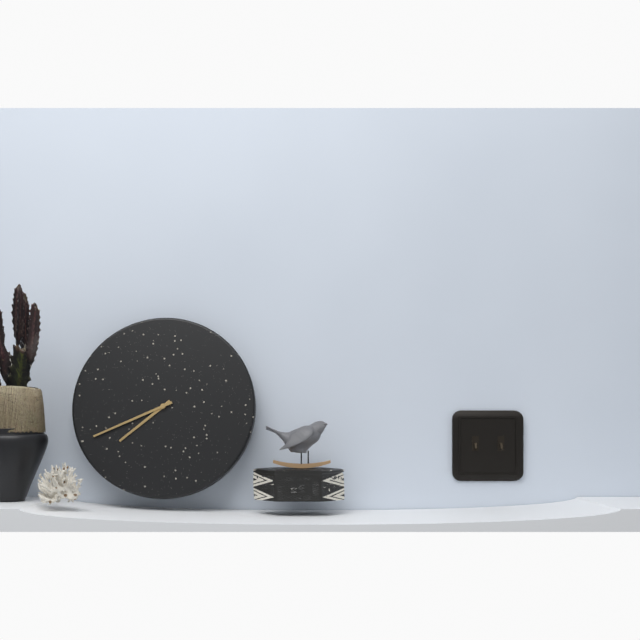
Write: 7:41
